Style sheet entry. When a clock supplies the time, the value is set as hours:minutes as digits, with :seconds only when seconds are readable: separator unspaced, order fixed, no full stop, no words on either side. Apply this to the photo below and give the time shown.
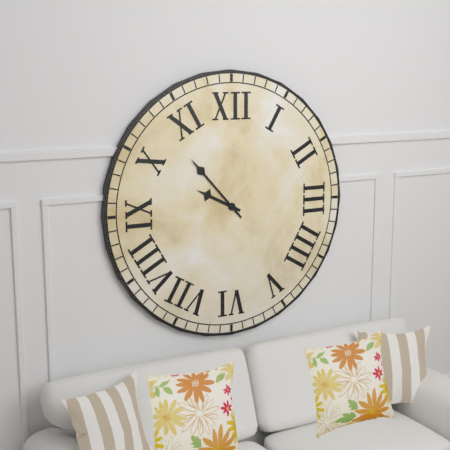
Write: 9:53
